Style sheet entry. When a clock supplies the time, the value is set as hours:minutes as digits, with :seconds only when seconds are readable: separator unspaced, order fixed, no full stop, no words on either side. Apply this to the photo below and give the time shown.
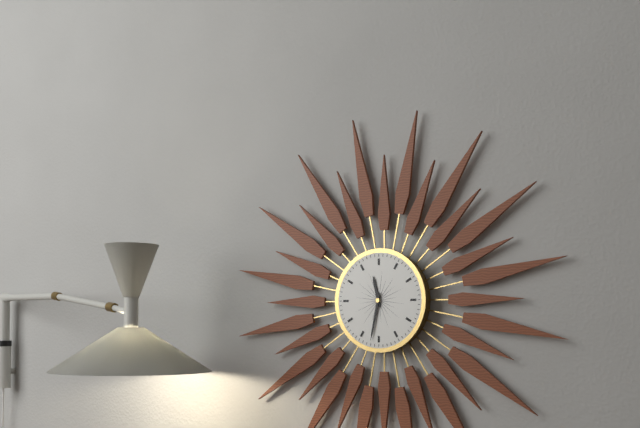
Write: 11:32
